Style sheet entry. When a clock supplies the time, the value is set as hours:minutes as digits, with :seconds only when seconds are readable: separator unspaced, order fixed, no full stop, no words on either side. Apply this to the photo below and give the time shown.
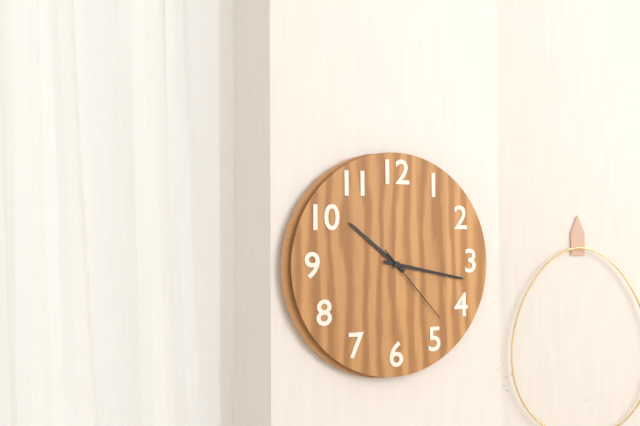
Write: 10:17:23
